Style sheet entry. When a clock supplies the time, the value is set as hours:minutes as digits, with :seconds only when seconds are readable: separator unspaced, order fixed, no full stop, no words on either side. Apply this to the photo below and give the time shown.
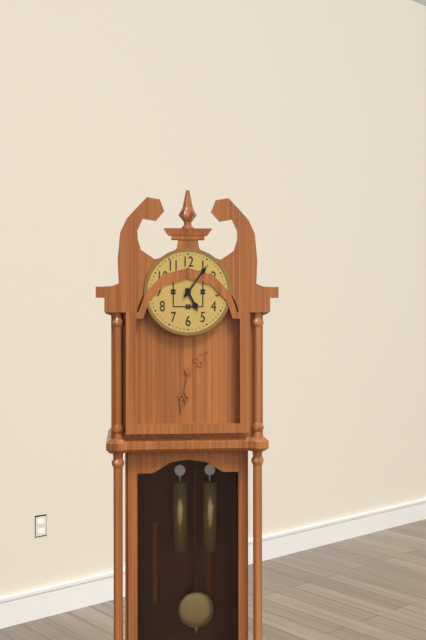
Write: 5:06
